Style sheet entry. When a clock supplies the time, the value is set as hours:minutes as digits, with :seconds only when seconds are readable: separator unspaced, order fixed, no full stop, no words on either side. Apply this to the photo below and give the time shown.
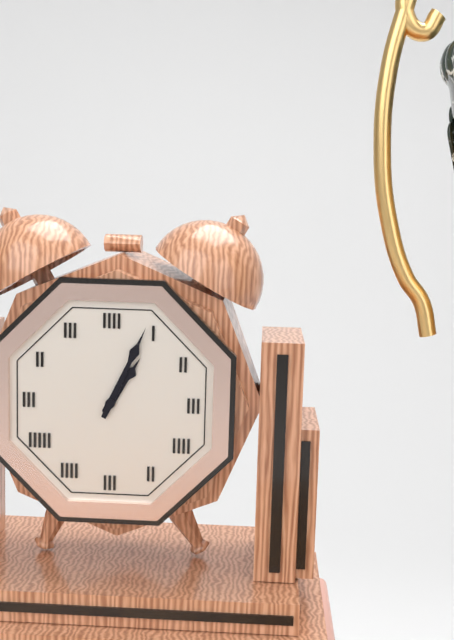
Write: 1:04
